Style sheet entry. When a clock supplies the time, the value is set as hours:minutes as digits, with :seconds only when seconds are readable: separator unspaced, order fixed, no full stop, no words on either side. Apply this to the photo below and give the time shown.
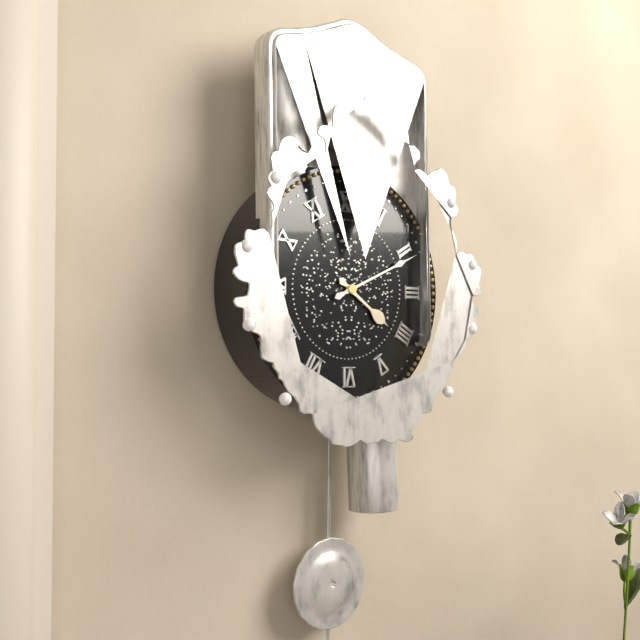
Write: 4:11
